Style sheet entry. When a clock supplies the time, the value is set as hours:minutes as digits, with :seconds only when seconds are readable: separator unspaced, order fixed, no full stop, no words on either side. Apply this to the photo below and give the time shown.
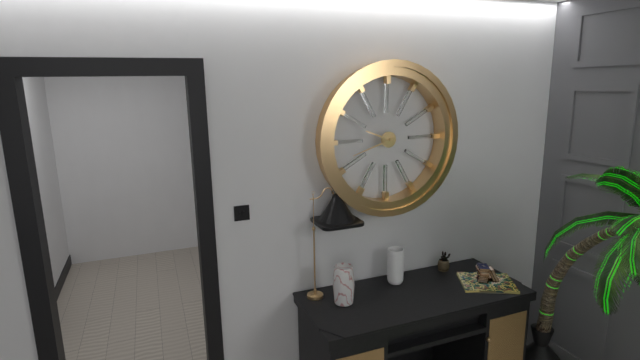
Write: 9:42
